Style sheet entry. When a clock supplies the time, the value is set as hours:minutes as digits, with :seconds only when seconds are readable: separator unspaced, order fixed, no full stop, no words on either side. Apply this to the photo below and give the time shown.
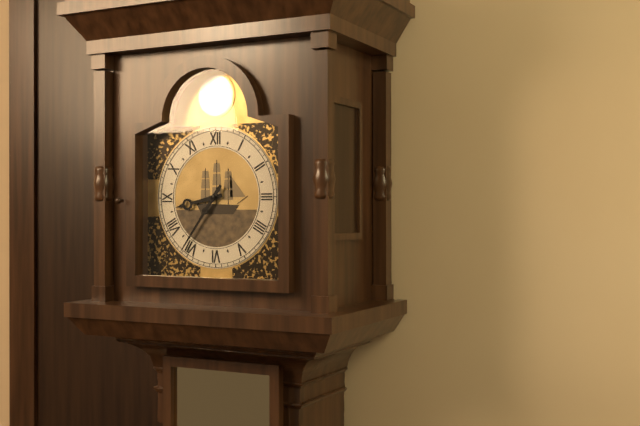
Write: 8:36
